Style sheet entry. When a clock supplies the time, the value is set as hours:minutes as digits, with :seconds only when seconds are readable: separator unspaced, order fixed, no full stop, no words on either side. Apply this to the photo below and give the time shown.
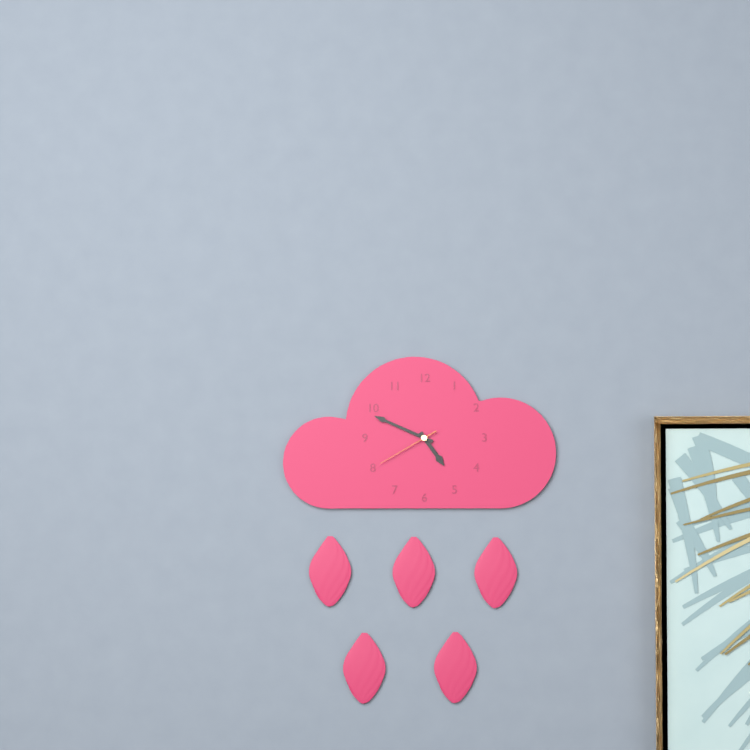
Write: 4:49:40
